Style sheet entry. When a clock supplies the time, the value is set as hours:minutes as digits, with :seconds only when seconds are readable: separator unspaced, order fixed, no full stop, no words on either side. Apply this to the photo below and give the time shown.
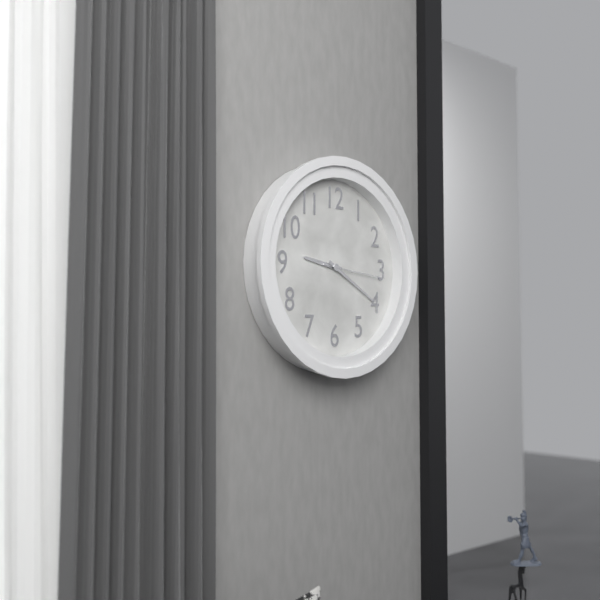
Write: 9:20:16
